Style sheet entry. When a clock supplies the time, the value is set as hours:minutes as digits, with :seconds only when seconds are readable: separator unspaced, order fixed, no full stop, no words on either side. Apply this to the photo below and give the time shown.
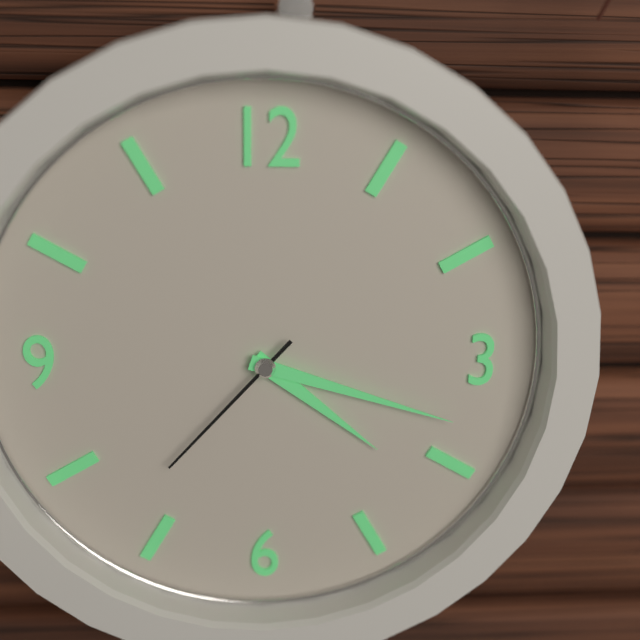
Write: 4:18:37
